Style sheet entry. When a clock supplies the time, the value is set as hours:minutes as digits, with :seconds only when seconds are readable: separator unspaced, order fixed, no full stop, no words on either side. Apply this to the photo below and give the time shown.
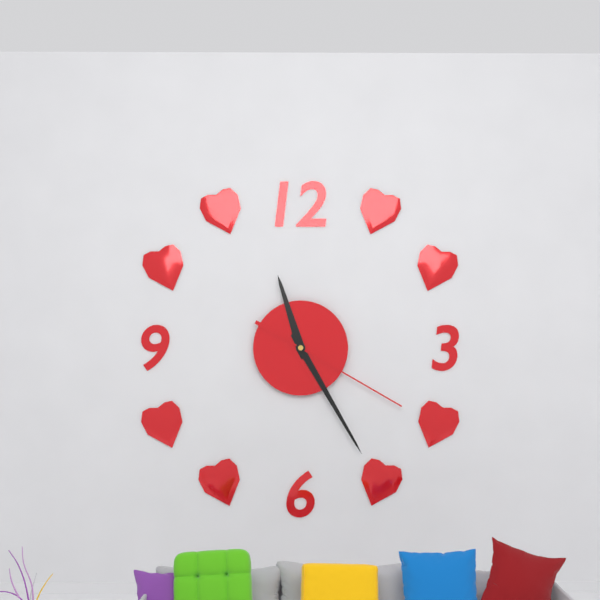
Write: 11:25:20
